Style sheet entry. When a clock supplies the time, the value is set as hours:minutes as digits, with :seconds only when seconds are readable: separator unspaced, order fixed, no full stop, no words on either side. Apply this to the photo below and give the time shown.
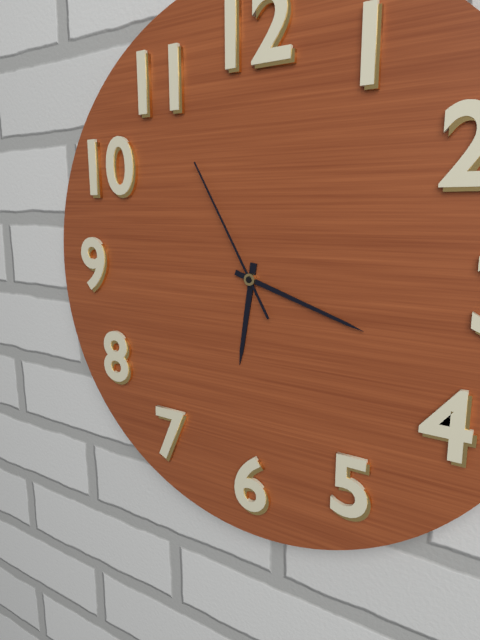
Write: 6:18:55
